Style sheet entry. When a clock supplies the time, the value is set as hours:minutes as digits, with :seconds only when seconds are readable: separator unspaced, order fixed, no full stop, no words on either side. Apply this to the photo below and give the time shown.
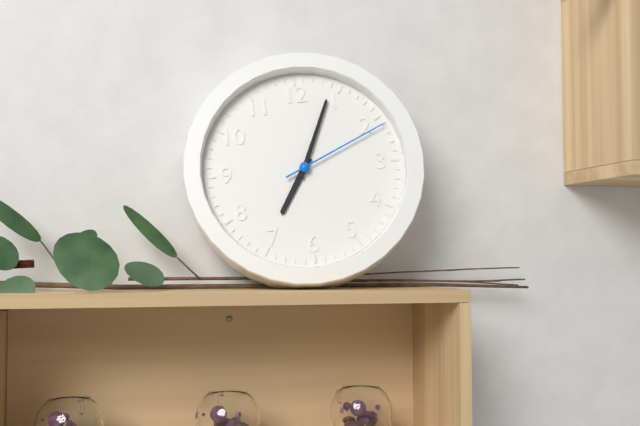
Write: 7:04:11
